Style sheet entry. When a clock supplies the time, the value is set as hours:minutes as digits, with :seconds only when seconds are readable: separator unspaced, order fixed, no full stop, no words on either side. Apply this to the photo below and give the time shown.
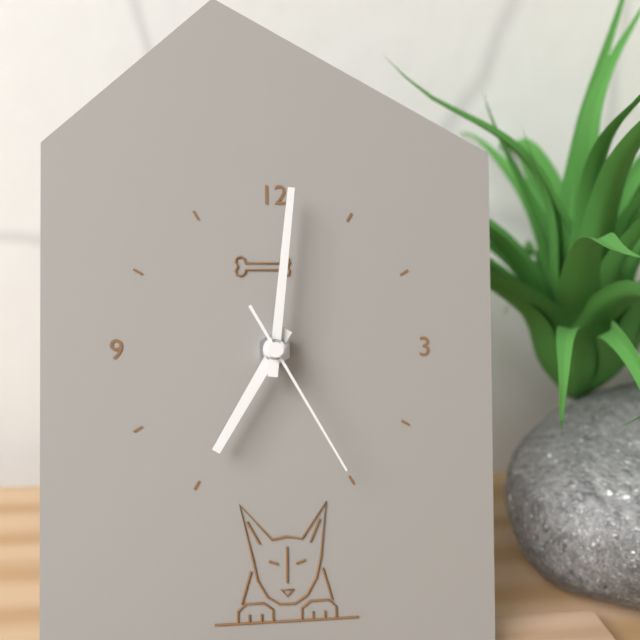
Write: 7:01:25
